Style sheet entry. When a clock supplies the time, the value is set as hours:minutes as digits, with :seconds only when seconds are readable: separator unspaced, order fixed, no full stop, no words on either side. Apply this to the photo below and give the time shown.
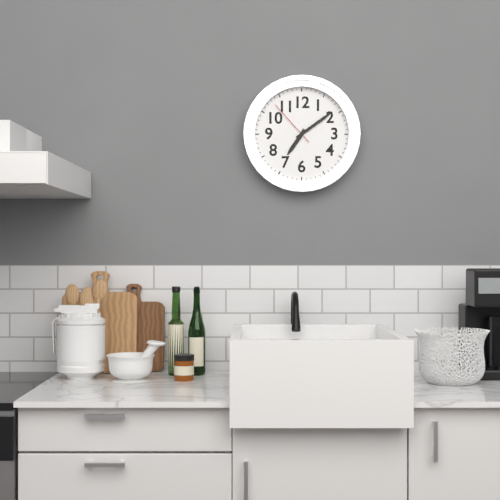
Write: 7:09:53
